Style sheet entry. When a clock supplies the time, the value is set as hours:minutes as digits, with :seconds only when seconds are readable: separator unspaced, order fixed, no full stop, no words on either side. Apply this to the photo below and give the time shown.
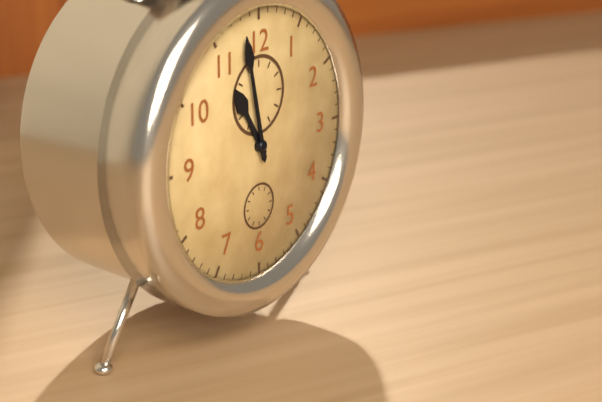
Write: 10:58
